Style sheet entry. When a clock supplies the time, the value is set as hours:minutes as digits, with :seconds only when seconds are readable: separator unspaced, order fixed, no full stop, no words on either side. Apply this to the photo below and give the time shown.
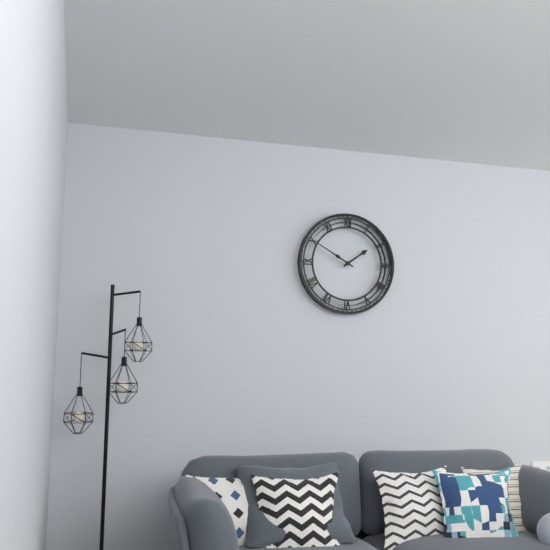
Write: 1:50
